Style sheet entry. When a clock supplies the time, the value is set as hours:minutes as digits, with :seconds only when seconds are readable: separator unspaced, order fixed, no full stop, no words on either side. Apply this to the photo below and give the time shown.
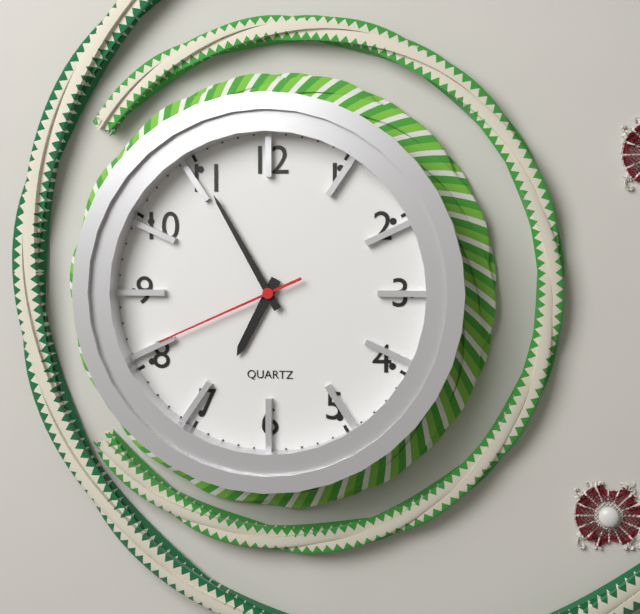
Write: 6:55:41
